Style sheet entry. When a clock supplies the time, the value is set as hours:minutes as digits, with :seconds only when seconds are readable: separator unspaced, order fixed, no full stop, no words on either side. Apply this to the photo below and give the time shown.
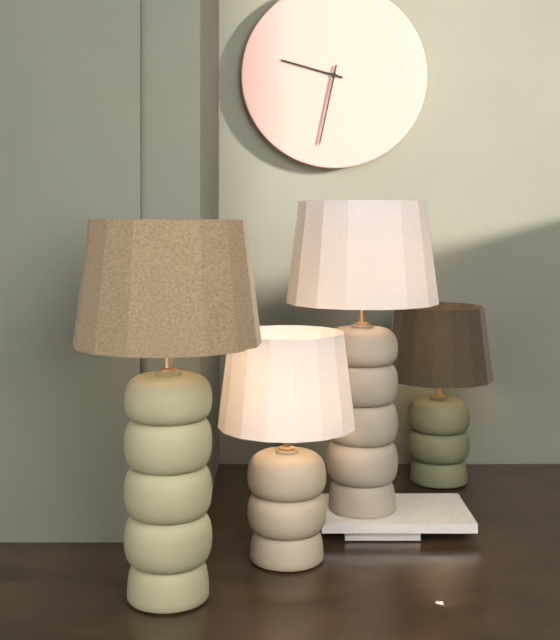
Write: 9:32
